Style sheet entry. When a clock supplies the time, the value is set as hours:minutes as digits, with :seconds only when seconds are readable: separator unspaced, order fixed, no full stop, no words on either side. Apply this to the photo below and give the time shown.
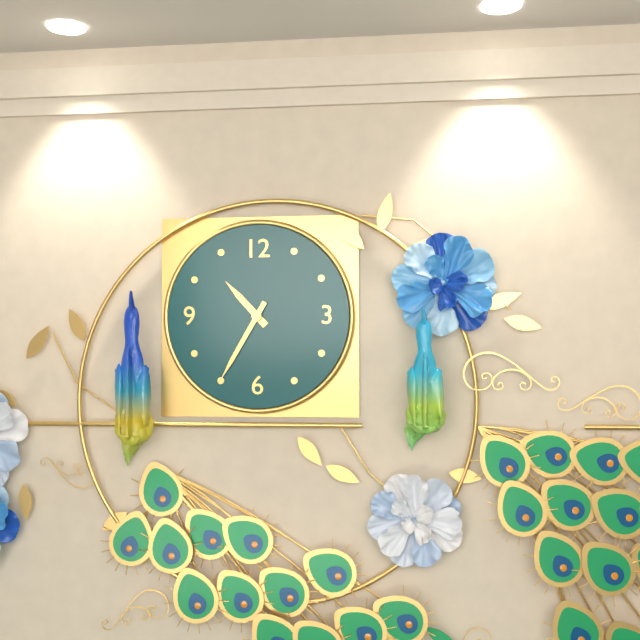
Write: 10:35
